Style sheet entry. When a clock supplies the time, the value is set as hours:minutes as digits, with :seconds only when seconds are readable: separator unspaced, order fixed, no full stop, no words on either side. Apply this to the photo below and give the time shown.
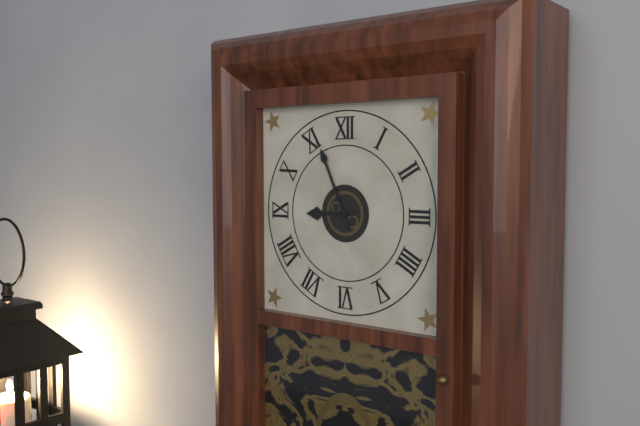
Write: 8:56
